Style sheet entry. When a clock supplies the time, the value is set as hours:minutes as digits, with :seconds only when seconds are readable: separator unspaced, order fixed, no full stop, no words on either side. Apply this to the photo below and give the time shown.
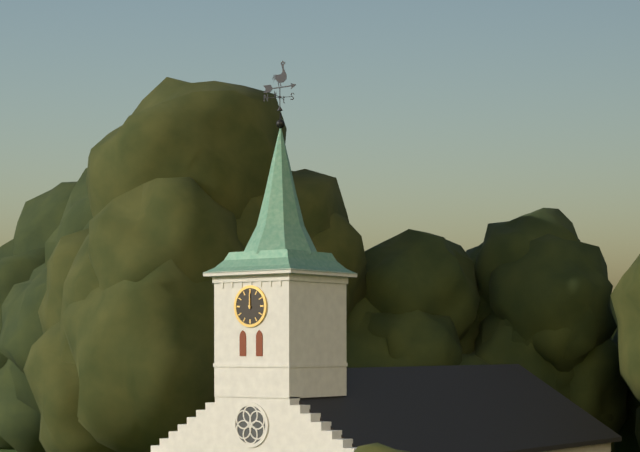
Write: 12:00
